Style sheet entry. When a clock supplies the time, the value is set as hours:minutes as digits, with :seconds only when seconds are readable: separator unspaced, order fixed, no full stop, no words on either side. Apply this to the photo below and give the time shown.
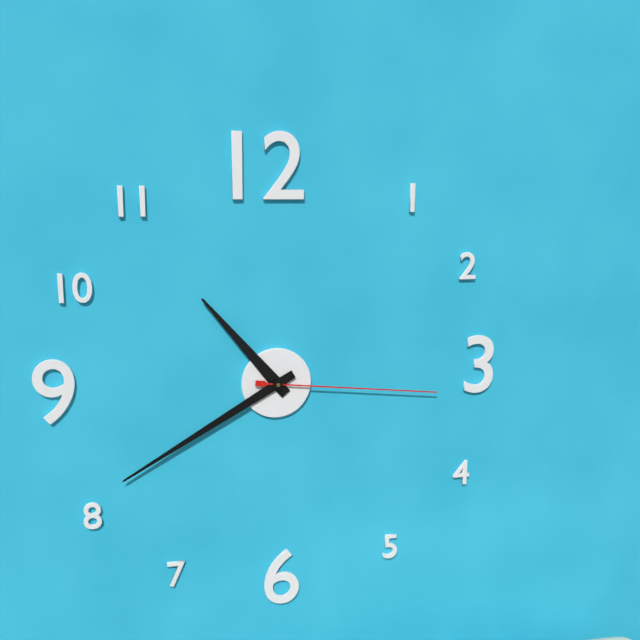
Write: 10:40:16
